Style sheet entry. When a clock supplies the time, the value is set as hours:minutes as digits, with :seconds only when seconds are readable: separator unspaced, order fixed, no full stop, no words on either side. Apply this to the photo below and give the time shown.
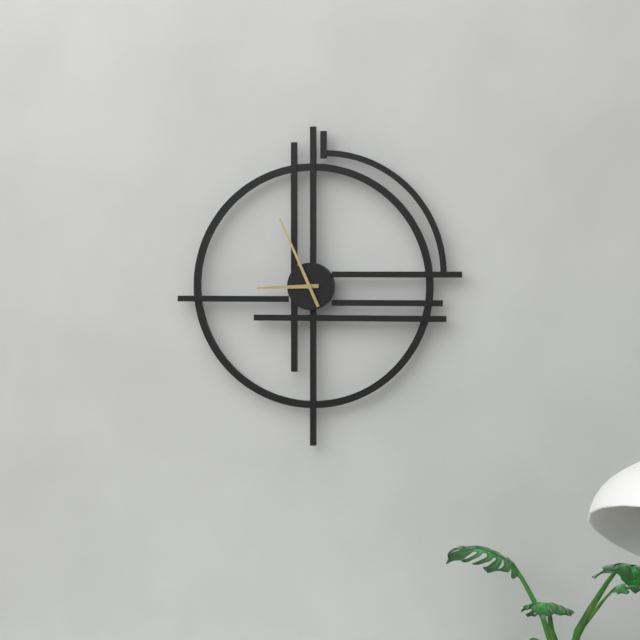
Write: 8:56
